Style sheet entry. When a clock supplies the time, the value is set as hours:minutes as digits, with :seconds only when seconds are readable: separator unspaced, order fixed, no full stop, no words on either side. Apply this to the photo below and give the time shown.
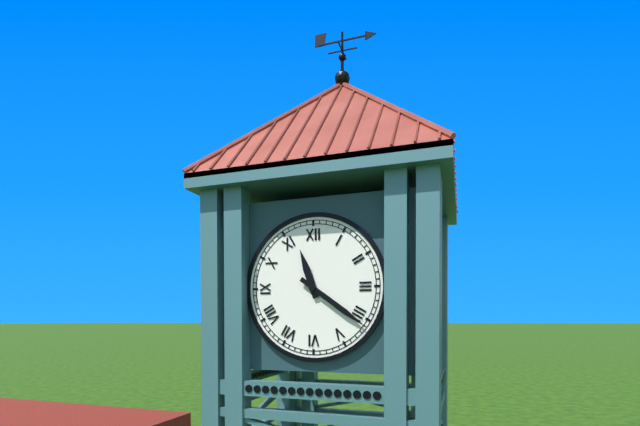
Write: 11:21
